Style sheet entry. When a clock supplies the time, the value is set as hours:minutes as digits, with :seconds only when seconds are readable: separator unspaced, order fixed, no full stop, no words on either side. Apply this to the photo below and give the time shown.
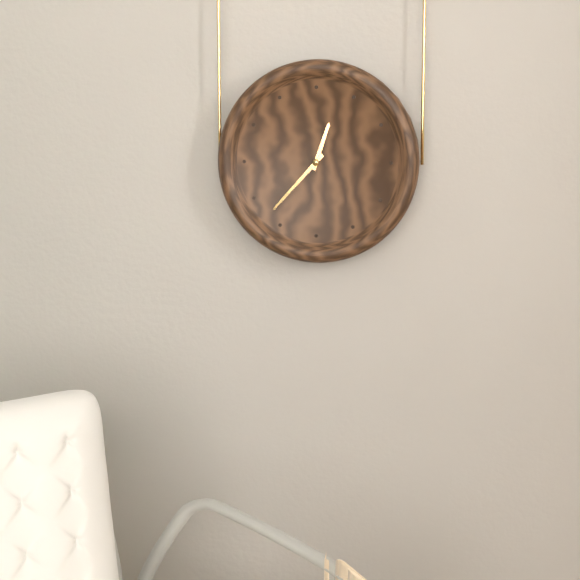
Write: 12:37
